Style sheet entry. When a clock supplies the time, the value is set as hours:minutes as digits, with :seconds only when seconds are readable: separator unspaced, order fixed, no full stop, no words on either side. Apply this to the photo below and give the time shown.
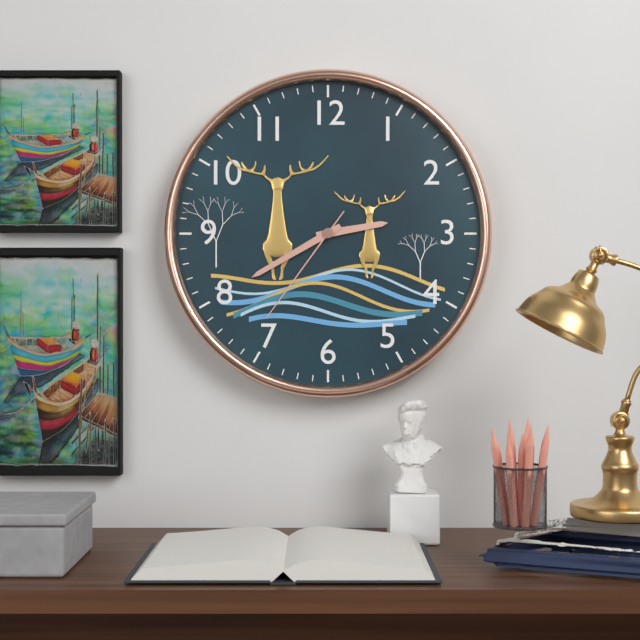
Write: 2:40:36
